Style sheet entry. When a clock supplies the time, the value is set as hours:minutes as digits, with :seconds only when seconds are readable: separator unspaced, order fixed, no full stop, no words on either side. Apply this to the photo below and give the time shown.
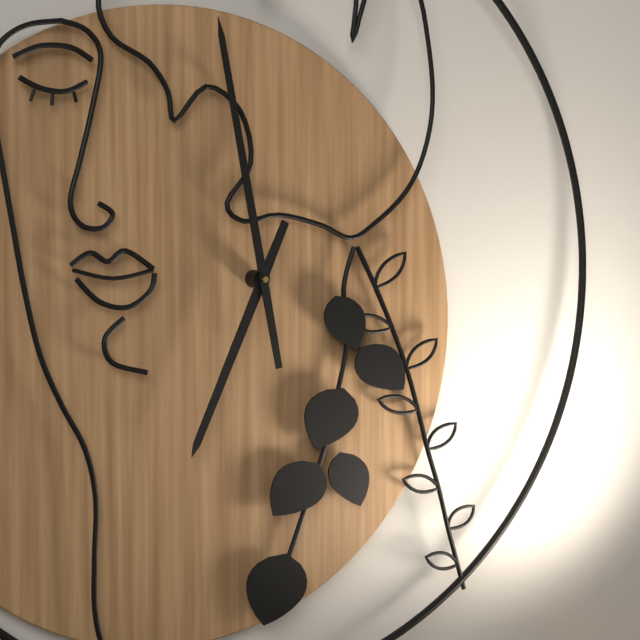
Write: 6:59
